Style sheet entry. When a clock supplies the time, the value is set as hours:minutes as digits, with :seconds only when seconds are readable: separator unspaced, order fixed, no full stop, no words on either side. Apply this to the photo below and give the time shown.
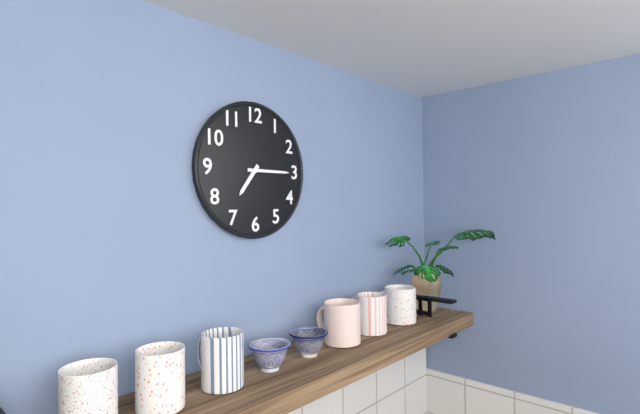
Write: 7:15
